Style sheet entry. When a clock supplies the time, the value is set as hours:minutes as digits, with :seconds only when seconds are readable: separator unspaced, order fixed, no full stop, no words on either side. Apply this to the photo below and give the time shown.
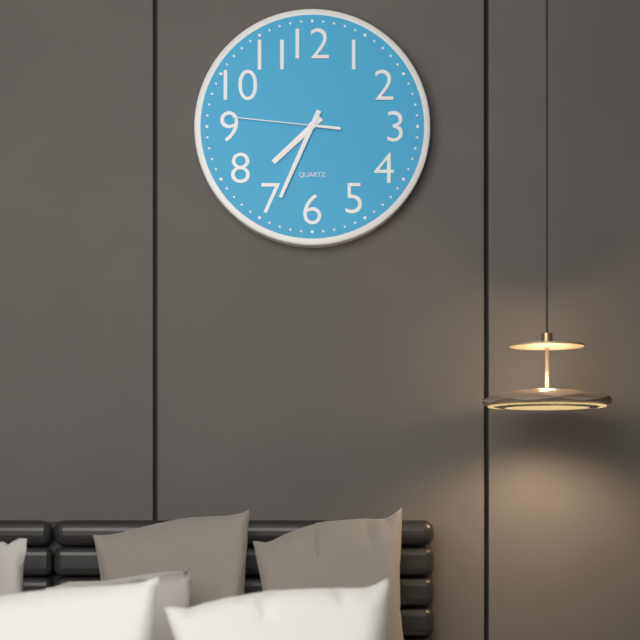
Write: 7:34:46
